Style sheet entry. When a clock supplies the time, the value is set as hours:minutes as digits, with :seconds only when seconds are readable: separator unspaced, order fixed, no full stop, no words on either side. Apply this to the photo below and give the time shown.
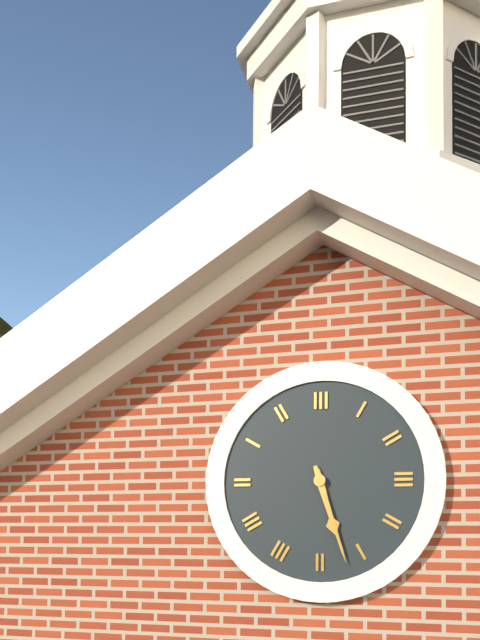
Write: 5:27
